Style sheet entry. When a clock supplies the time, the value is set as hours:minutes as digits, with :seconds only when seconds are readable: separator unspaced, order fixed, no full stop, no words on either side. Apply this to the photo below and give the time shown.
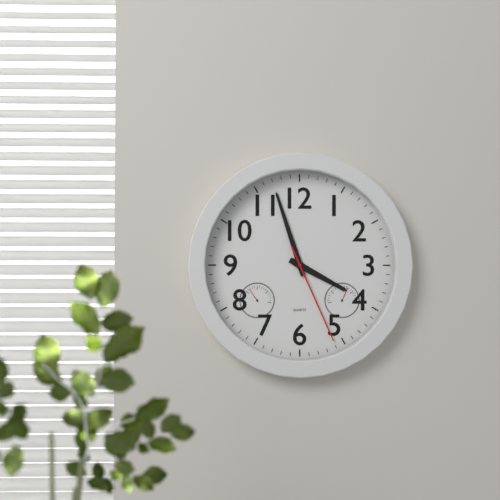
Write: 3:57:26
